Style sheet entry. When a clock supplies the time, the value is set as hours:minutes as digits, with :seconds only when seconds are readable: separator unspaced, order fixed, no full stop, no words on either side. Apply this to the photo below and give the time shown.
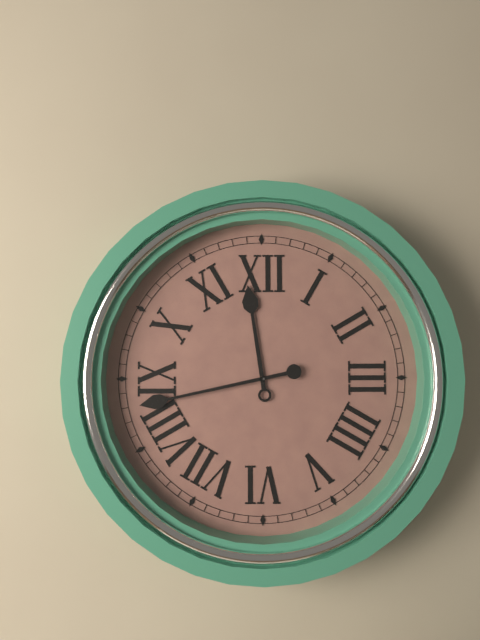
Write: 11:43
